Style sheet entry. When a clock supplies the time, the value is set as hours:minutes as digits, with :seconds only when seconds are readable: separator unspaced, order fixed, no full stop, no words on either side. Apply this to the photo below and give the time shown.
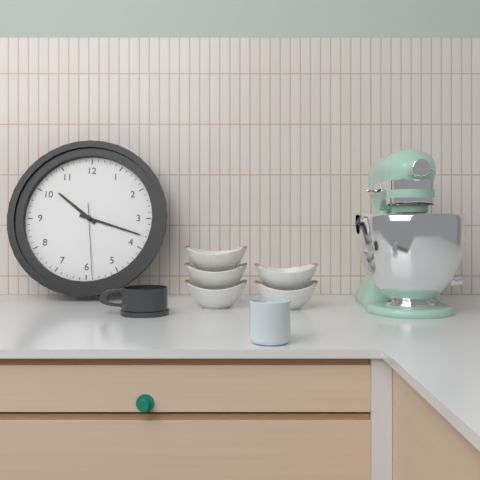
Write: 10:18:29
